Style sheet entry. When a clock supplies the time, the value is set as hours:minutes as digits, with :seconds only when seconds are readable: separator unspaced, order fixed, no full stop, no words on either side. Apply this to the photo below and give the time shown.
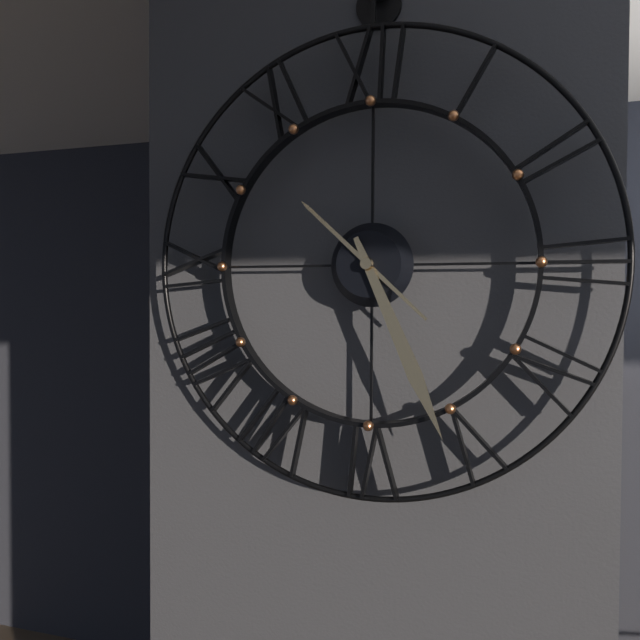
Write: 10:26
